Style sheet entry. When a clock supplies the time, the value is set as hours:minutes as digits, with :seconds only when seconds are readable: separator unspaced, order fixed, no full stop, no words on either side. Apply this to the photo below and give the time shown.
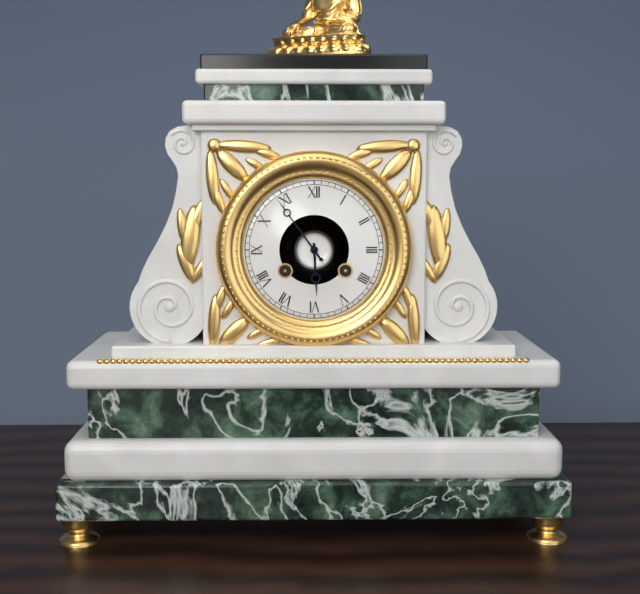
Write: 5:54
